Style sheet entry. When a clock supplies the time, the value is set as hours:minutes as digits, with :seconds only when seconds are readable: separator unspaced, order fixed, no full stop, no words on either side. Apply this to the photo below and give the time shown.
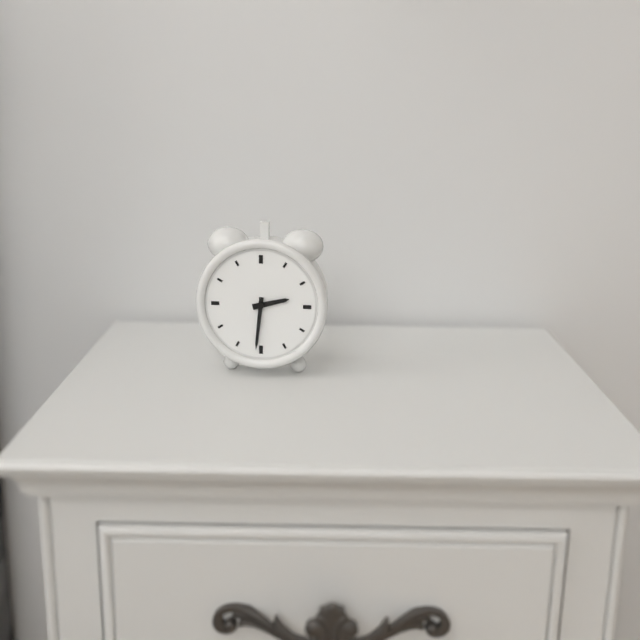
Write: 2:31
